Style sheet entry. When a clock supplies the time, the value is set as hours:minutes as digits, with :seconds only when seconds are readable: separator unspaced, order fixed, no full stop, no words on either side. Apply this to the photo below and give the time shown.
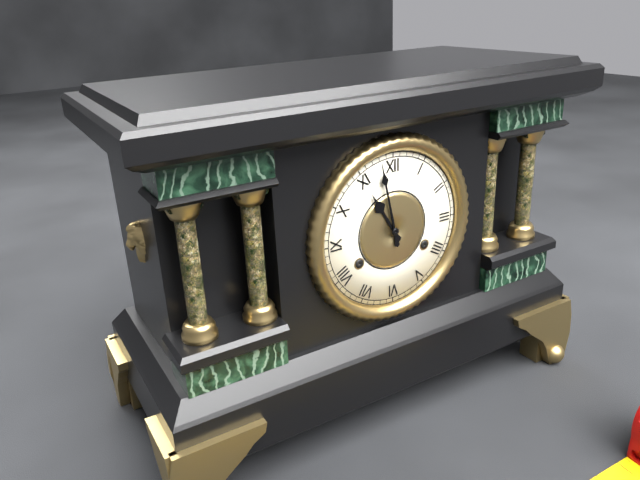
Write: 10:58
